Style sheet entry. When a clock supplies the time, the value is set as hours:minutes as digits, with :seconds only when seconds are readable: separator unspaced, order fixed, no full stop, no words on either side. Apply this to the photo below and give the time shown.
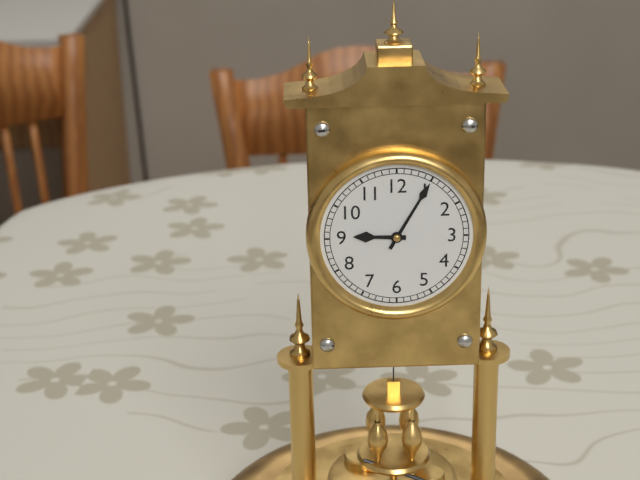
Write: 9:05
